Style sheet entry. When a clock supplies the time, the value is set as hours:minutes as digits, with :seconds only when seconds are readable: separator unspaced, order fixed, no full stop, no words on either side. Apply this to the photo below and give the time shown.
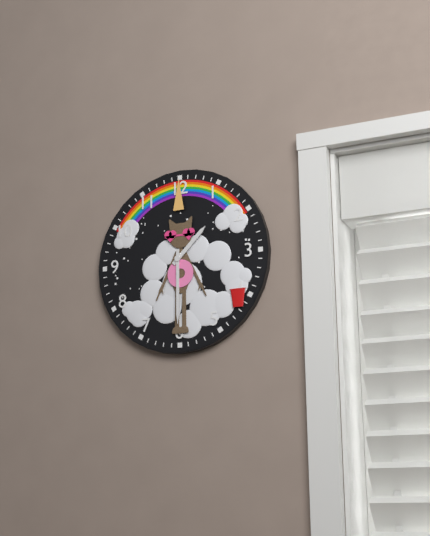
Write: 1:30
